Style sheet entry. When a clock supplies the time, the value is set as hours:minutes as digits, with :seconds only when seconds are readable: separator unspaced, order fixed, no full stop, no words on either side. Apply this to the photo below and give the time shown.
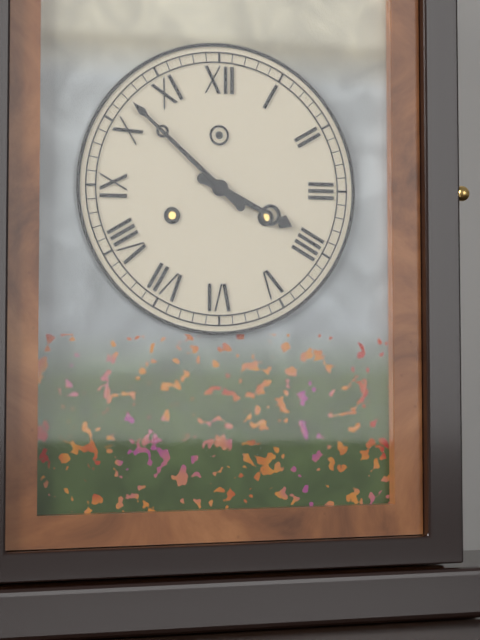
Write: 3:52
